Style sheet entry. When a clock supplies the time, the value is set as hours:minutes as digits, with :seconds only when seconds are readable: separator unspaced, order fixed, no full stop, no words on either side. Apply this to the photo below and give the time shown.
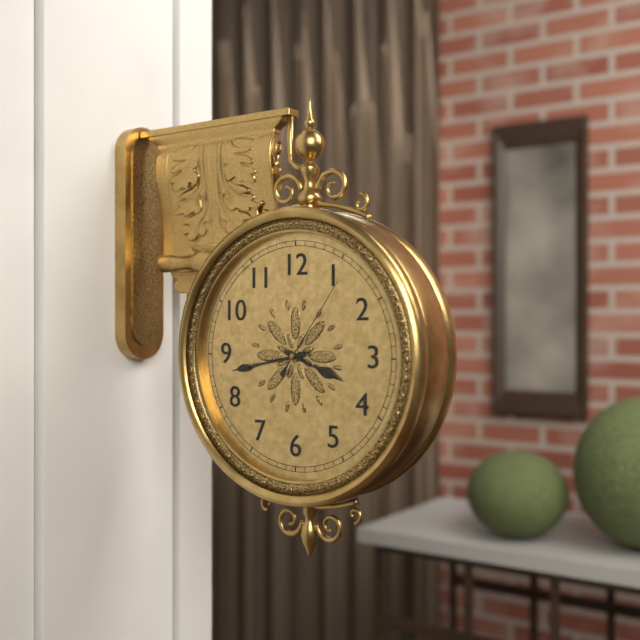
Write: 3:43:06
